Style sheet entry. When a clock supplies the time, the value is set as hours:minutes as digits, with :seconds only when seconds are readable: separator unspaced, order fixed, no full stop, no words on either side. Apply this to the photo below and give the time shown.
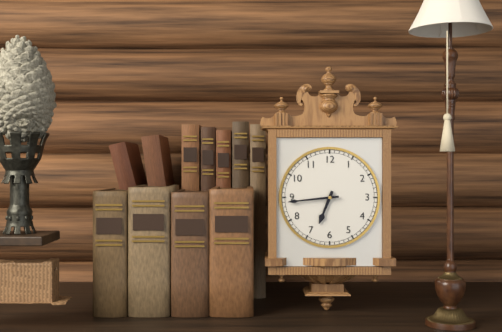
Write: 6:44
